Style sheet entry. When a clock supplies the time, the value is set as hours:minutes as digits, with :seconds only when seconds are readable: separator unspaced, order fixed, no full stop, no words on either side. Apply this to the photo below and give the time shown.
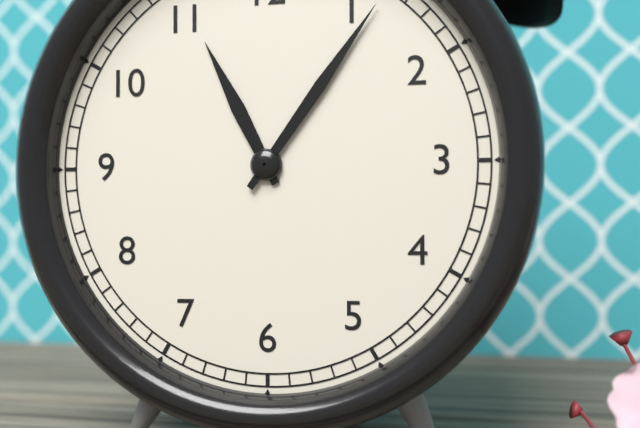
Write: 11:06
